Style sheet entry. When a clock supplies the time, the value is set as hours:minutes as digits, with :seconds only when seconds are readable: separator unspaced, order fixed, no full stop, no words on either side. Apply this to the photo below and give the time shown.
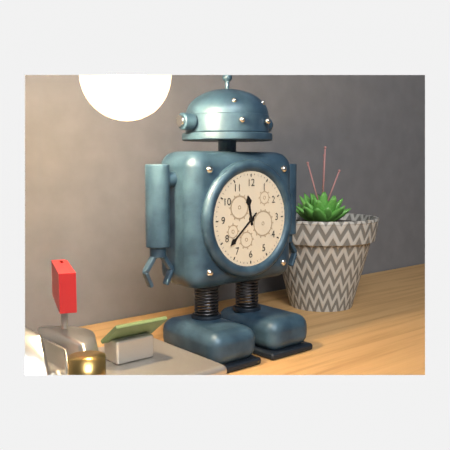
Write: 11:38
